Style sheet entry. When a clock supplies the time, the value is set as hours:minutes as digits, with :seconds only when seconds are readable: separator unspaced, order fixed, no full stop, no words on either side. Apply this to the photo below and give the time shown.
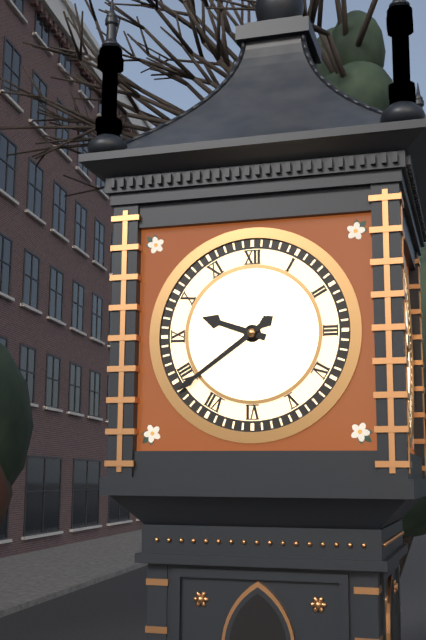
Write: 9:39
